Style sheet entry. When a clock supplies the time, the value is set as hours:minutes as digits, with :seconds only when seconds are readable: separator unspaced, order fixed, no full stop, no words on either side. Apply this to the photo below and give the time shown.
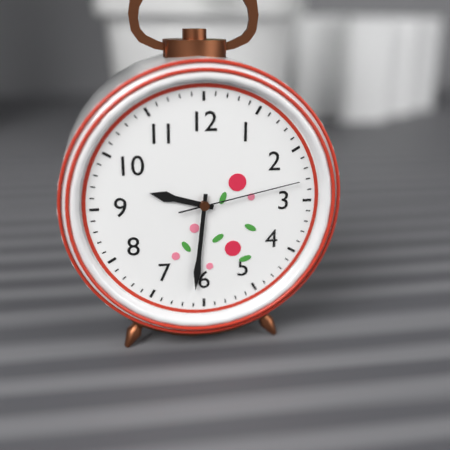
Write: 9:31:13
